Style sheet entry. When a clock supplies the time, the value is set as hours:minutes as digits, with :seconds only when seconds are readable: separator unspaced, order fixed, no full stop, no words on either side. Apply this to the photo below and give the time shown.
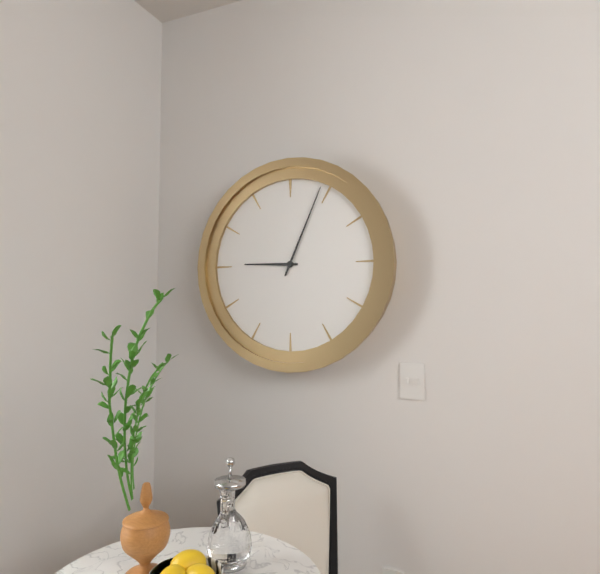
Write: 9:04
